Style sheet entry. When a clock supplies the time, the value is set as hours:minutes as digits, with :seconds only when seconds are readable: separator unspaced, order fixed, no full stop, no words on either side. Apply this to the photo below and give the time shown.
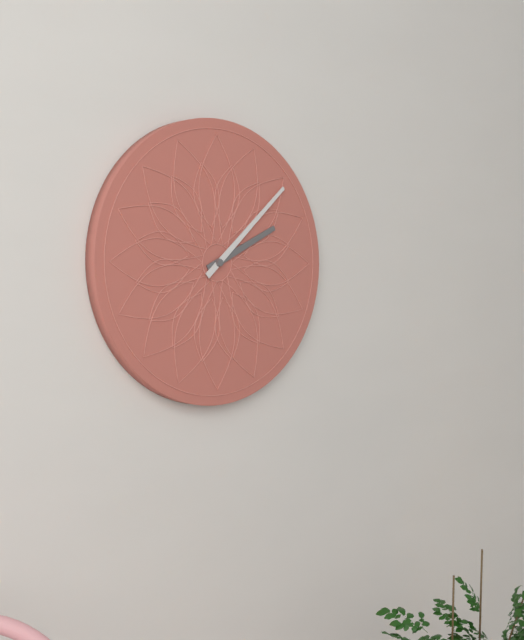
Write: 2:08
